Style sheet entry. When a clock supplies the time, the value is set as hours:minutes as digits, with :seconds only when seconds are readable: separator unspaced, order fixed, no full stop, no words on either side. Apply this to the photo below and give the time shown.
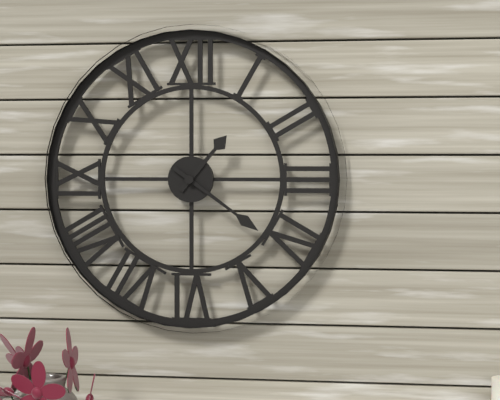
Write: 1:21
